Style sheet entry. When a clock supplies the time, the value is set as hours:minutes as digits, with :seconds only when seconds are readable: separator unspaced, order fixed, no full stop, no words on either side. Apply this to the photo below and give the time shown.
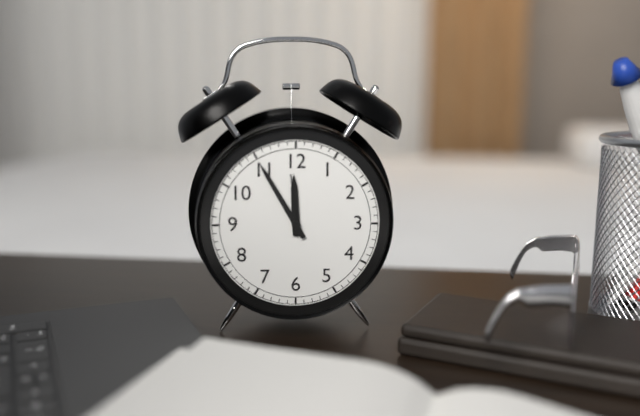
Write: 11:55:59
